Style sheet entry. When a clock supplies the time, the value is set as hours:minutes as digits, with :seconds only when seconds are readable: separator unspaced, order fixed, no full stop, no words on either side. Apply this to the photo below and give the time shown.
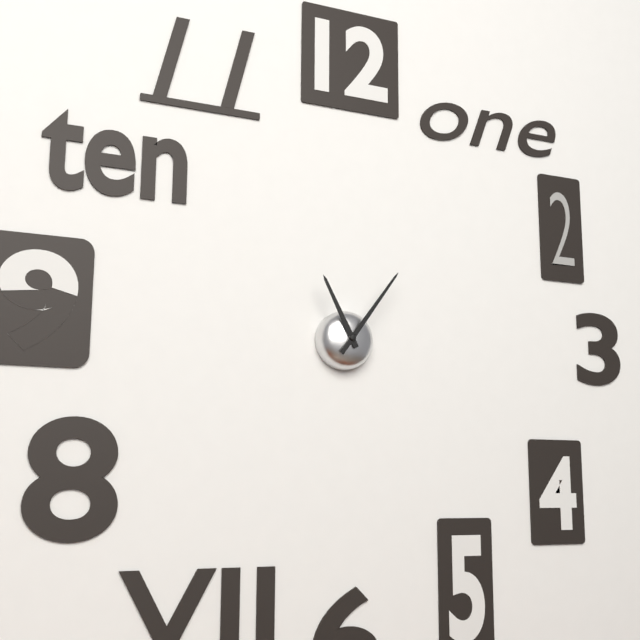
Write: 11:06
